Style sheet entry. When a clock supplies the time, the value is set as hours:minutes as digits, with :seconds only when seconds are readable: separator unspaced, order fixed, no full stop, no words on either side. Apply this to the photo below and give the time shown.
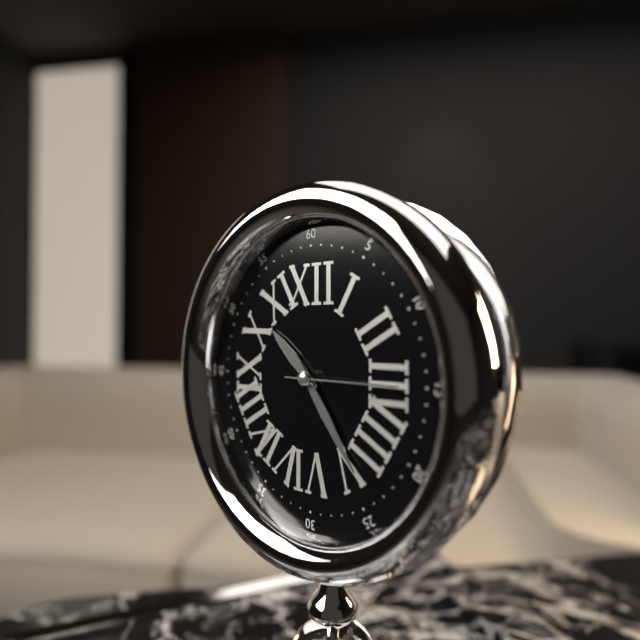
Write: 10:24:15
